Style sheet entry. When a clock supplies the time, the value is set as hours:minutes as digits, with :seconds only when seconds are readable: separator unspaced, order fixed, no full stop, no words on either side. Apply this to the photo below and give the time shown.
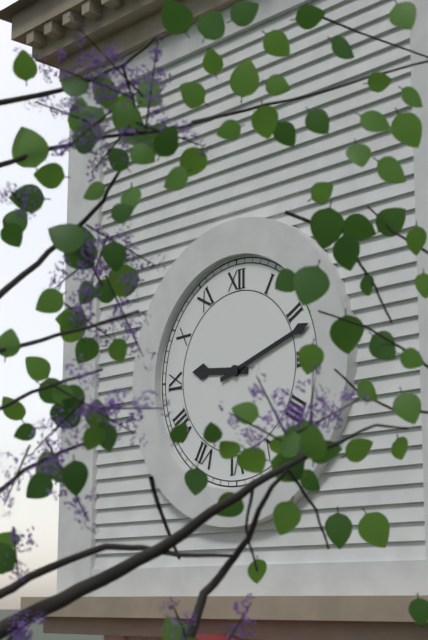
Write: 9:12
